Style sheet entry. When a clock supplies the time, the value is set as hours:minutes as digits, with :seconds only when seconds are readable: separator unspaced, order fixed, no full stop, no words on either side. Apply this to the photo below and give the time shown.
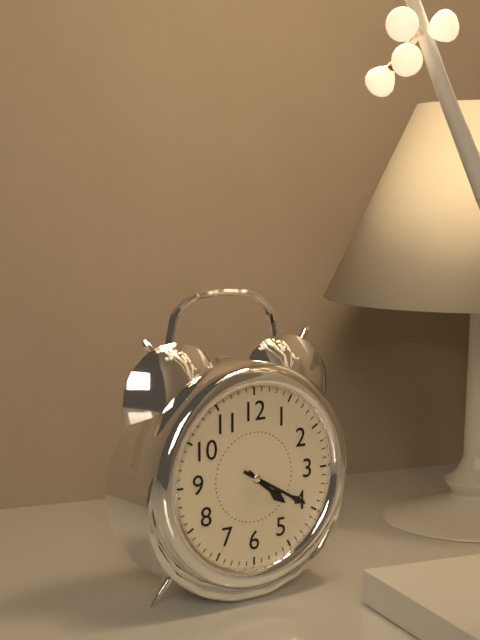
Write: 4:20
